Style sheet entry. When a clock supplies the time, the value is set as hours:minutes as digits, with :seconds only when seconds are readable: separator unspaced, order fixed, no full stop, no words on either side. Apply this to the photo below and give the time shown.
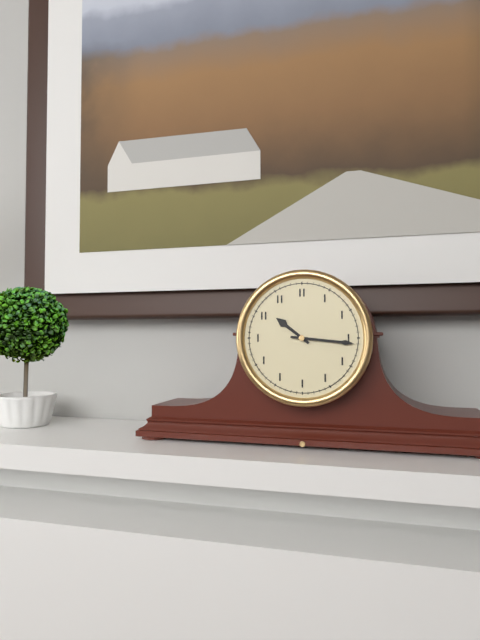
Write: 10:16
